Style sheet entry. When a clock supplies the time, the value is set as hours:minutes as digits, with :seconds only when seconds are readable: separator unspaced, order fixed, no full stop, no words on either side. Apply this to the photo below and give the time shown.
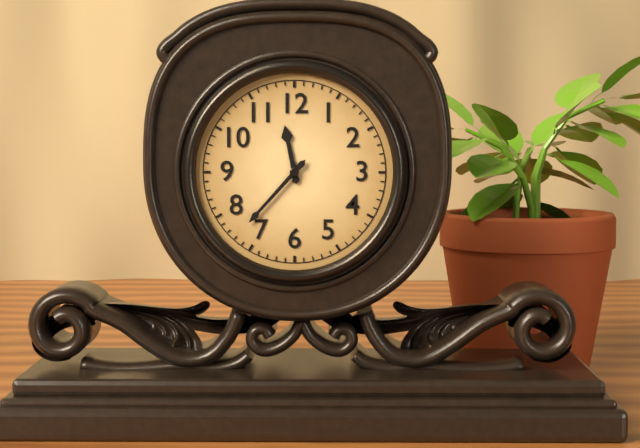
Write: 11:37
